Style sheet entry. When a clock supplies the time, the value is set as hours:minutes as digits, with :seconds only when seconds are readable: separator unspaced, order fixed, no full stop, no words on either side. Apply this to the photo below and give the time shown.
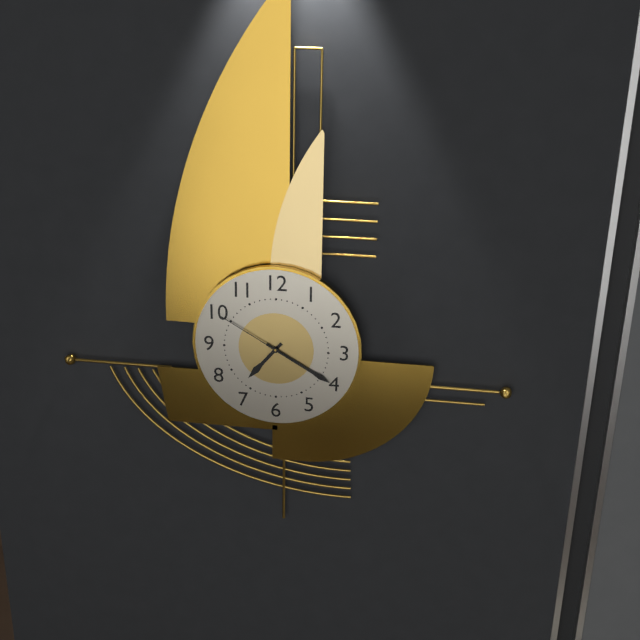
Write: 7:20:50
